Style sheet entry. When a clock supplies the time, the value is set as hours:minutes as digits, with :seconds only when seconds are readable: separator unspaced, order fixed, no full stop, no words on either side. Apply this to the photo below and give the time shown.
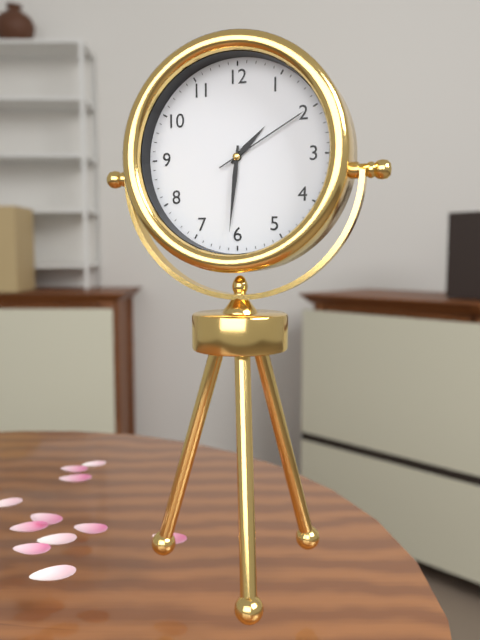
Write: 1:31:10
